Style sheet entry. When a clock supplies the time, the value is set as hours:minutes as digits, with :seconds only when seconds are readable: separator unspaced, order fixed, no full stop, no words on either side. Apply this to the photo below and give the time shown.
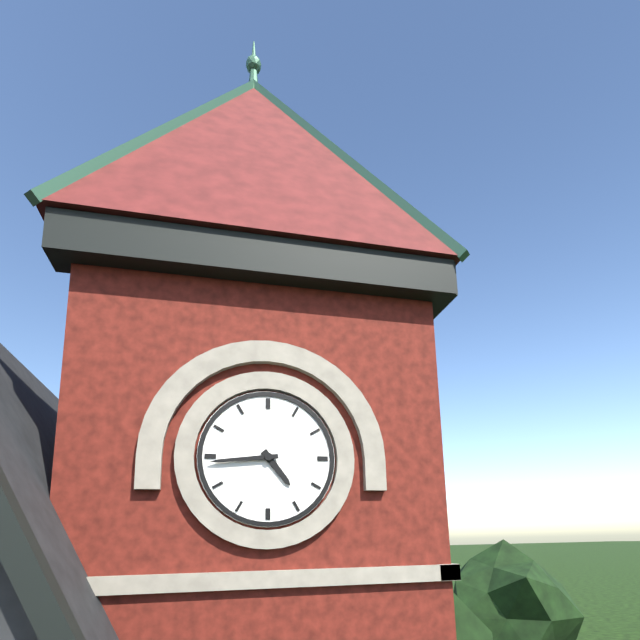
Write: 4:44
